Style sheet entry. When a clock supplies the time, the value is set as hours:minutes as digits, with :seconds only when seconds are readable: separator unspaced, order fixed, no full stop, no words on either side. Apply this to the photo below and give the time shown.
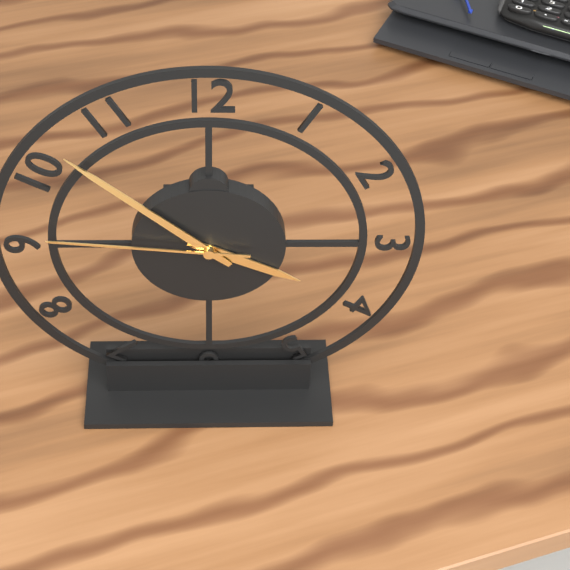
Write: 3:52:46
